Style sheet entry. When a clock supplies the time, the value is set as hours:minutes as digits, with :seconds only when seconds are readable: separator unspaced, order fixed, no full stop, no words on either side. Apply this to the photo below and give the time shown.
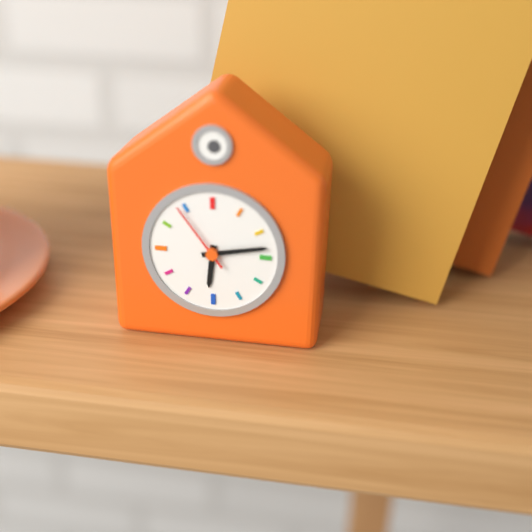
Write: 6:13:54
